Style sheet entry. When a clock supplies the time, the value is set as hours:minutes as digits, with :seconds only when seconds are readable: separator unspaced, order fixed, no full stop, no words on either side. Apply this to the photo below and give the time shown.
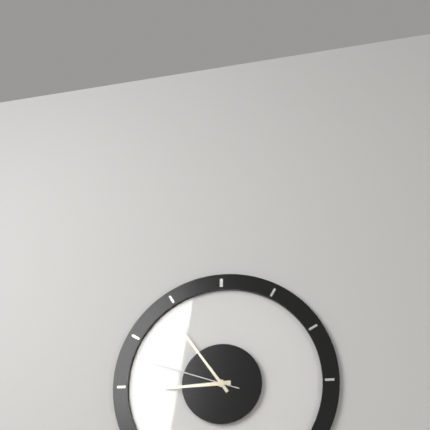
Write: 8:54:48
